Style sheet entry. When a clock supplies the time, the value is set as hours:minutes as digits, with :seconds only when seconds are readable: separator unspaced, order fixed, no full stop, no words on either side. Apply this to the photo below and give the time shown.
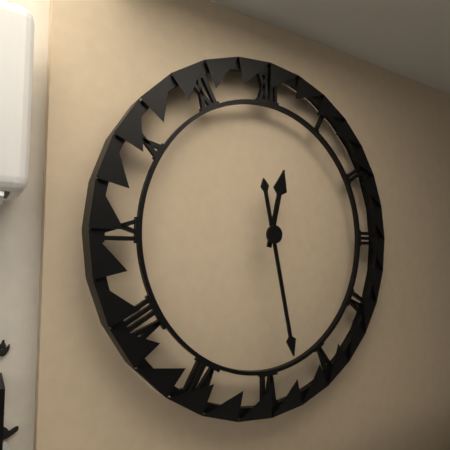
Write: 12:28
